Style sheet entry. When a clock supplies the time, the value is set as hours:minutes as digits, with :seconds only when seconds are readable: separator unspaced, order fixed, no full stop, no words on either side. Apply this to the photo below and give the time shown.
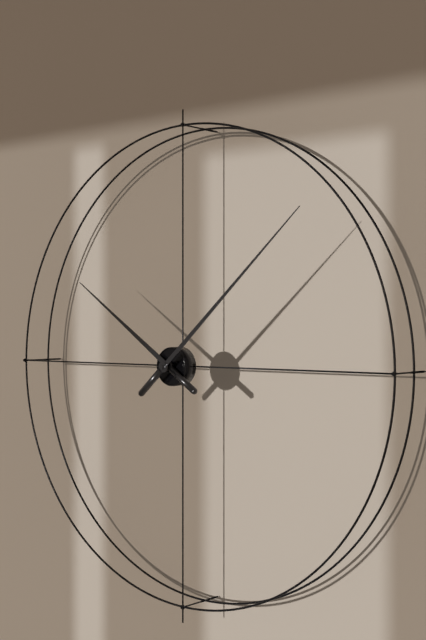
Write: 10:08
